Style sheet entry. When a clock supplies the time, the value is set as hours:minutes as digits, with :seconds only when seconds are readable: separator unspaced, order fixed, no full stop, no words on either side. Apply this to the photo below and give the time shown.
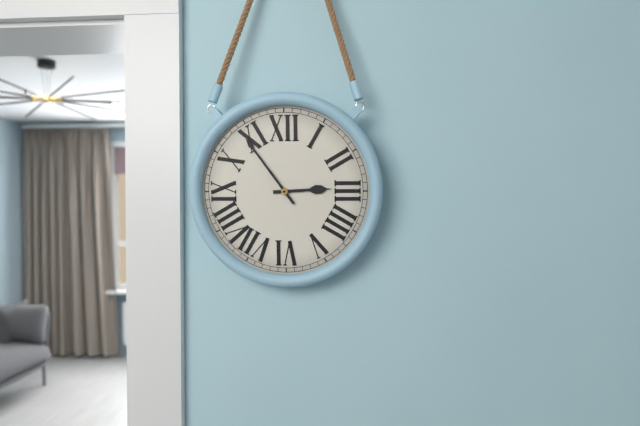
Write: 2:54
